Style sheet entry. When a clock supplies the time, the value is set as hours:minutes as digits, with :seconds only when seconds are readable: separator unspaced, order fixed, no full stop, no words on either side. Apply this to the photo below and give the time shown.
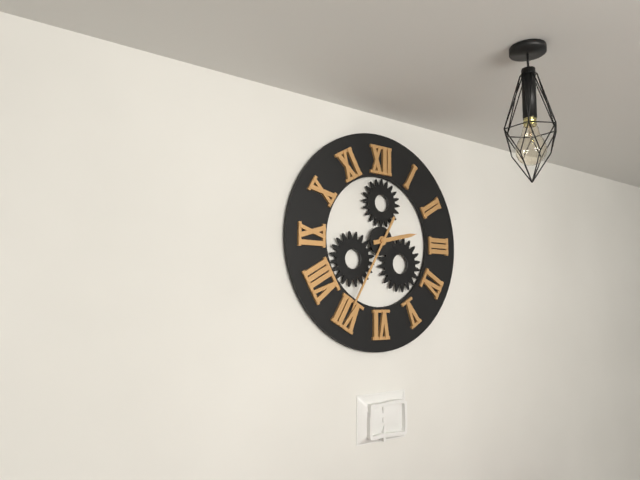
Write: 2:35
